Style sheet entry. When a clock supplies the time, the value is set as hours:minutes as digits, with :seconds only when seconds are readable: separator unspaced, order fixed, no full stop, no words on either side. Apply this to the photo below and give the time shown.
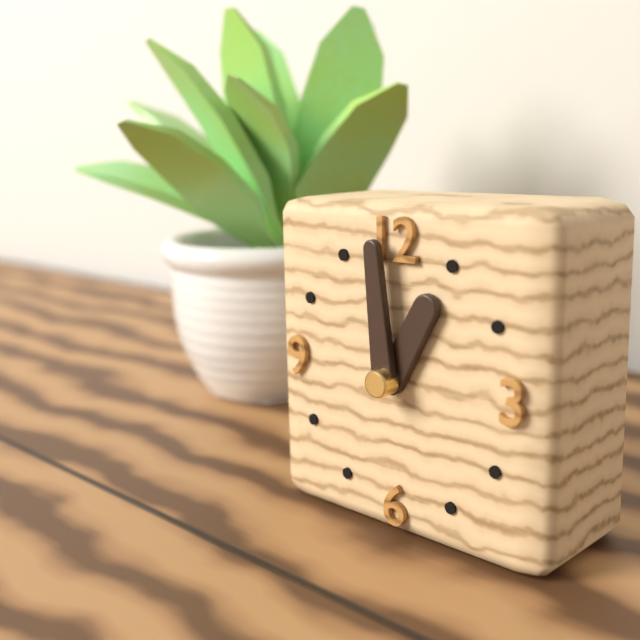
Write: 12:59
